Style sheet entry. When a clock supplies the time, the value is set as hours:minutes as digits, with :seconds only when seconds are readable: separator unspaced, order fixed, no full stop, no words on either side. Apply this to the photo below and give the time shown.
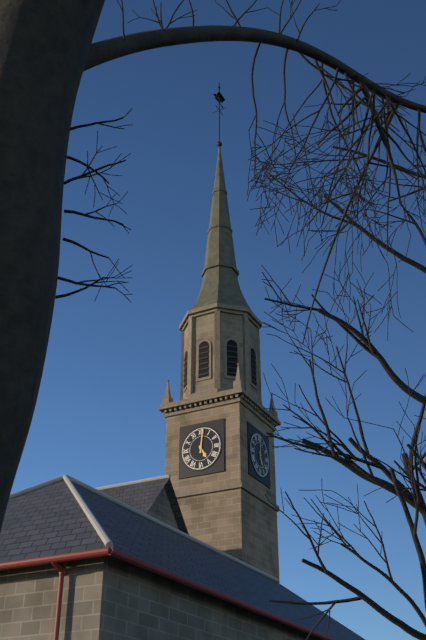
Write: 5:01
